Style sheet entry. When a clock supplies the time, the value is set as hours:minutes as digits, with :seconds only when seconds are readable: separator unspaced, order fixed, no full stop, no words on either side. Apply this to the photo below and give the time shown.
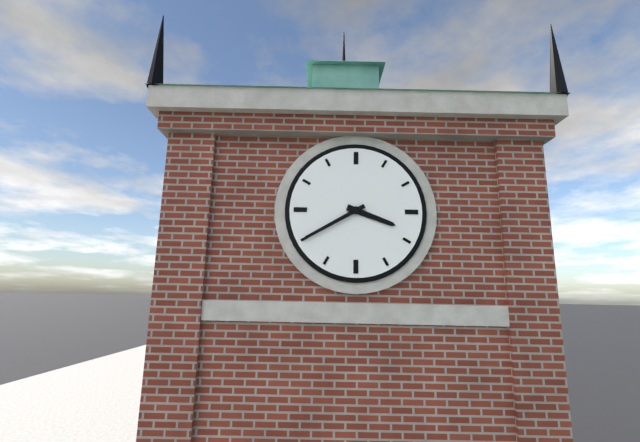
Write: 3:40
